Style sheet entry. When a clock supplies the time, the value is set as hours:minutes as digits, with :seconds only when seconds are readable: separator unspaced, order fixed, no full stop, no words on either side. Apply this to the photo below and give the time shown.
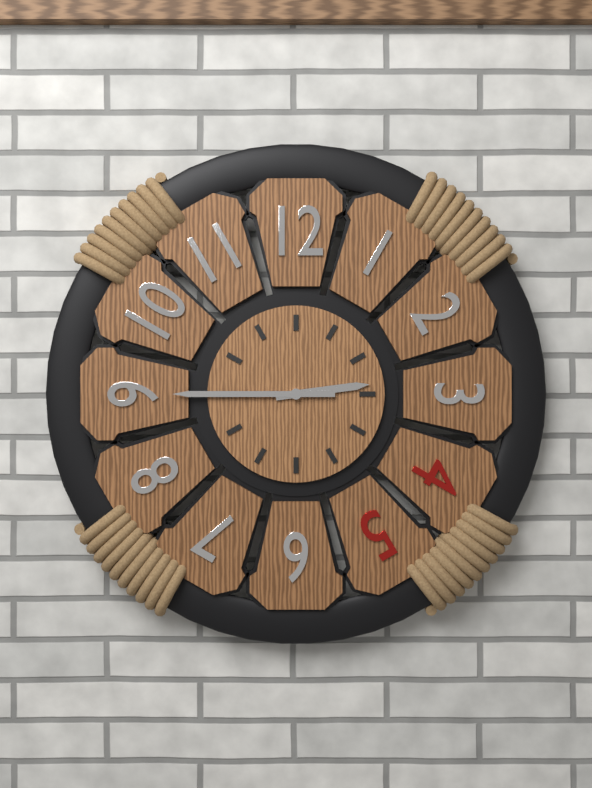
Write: 2:45
